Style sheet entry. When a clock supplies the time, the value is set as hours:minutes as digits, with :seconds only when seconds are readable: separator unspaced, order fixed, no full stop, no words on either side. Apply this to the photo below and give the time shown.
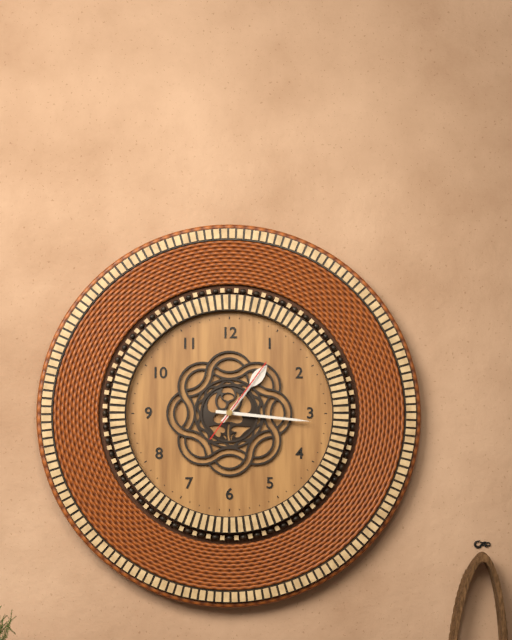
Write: 1:16:06
